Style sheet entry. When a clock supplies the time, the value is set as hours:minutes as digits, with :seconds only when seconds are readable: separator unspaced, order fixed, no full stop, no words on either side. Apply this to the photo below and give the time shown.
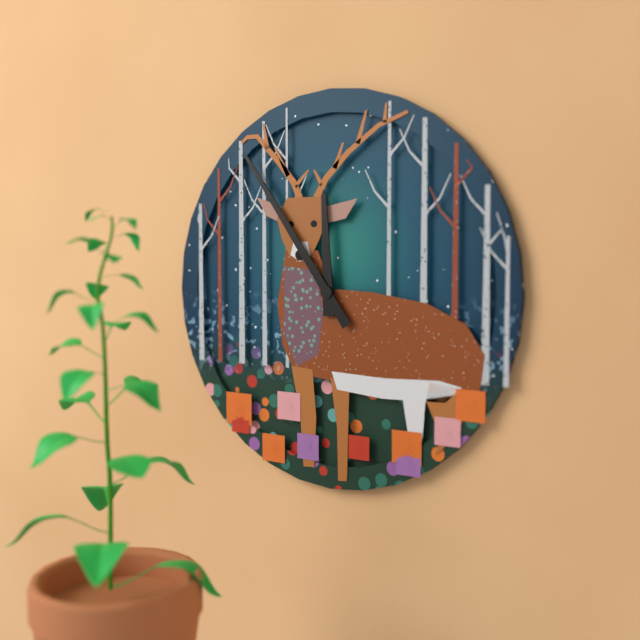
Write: 11:54
